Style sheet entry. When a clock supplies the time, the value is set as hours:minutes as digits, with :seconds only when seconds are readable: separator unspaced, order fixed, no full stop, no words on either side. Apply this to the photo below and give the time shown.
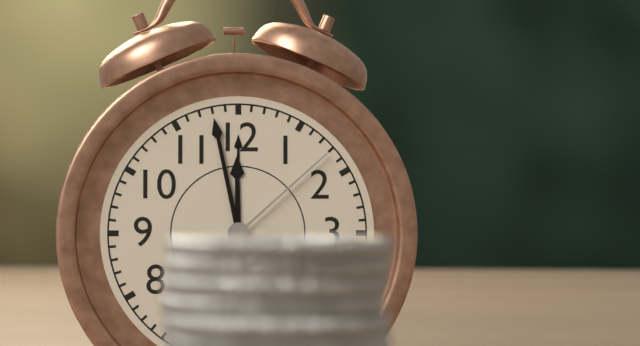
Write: 11:58:08
